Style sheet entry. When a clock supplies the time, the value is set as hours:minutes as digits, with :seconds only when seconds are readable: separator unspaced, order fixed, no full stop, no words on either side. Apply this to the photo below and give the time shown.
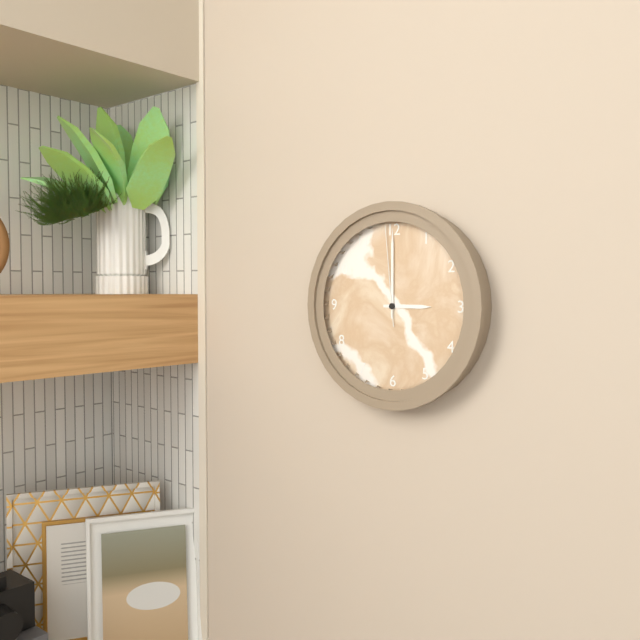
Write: 3:00:59
